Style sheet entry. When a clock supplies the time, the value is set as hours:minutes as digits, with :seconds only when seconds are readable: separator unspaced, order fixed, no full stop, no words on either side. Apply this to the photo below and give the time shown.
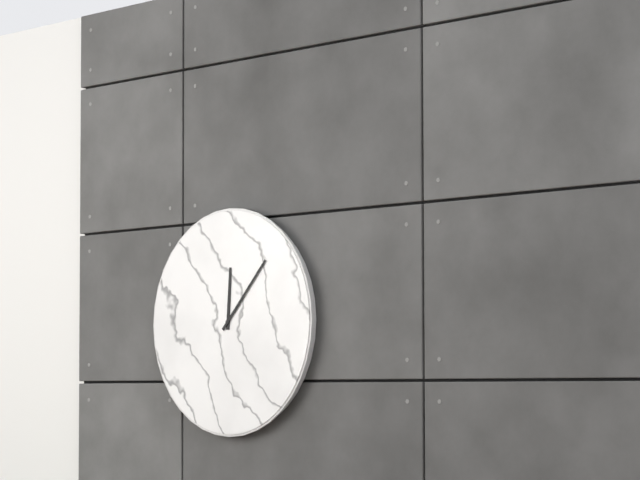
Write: 12:07
